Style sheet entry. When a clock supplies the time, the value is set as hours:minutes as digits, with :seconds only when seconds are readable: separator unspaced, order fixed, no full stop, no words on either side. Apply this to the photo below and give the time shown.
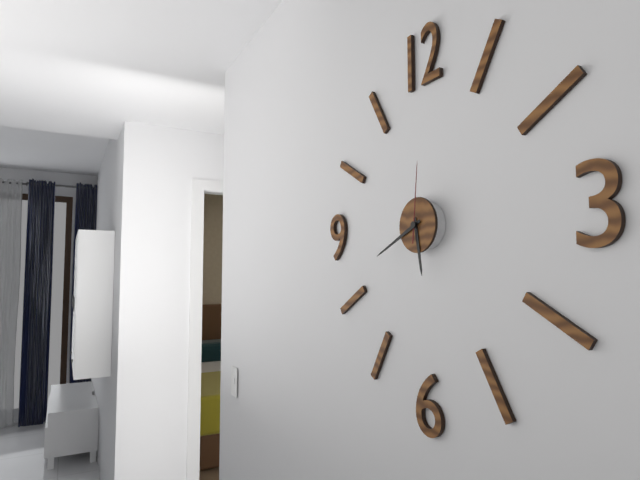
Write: 5:41:01
